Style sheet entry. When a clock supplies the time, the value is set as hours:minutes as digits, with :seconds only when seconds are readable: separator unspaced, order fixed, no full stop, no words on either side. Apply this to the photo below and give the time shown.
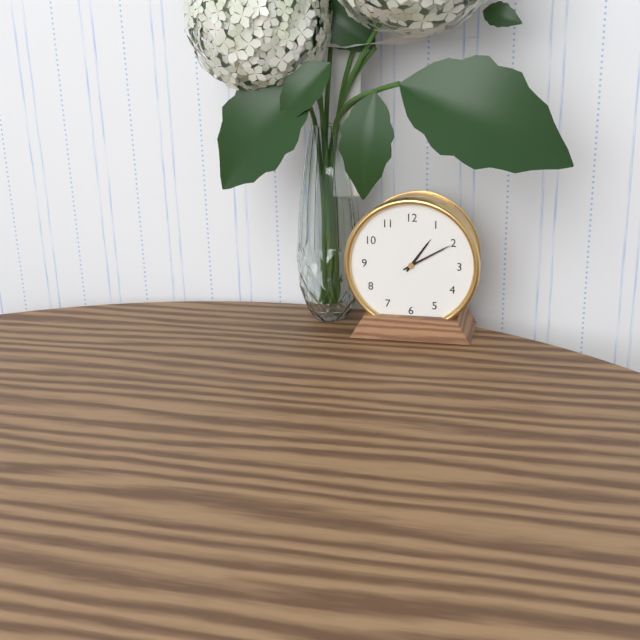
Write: 1:10
